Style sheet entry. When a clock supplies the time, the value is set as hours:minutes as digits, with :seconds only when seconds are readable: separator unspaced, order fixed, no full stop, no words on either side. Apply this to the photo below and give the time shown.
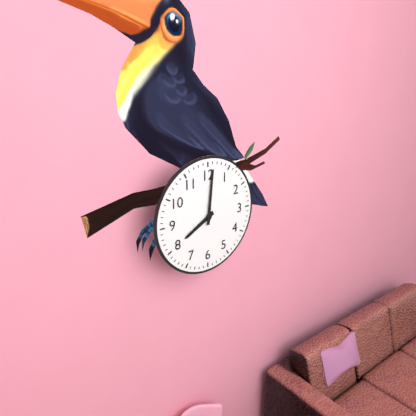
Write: 8:01
